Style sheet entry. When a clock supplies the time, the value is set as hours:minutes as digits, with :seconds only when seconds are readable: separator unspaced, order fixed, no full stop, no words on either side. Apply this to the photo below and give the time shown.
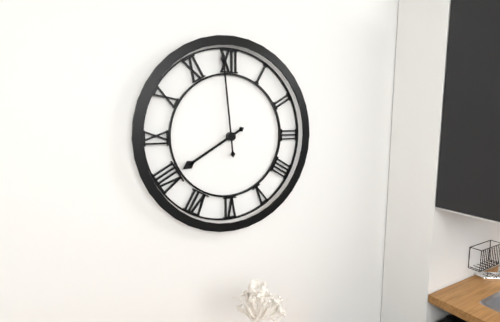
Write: 7:59
